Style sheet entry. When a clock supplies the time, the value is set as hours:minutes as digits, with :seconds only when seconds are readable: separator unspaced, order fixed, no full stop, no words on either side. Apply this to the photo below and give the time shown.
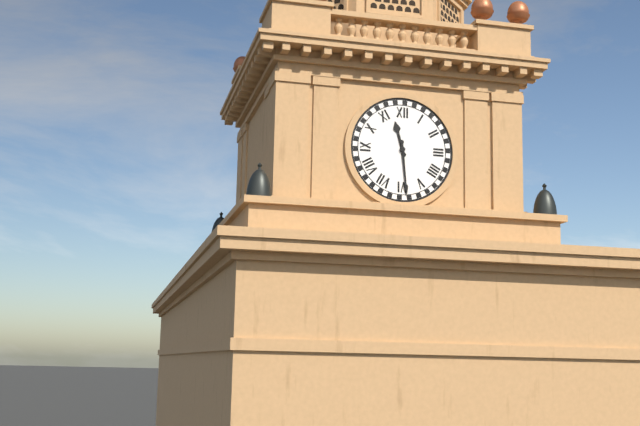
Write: 11:29
